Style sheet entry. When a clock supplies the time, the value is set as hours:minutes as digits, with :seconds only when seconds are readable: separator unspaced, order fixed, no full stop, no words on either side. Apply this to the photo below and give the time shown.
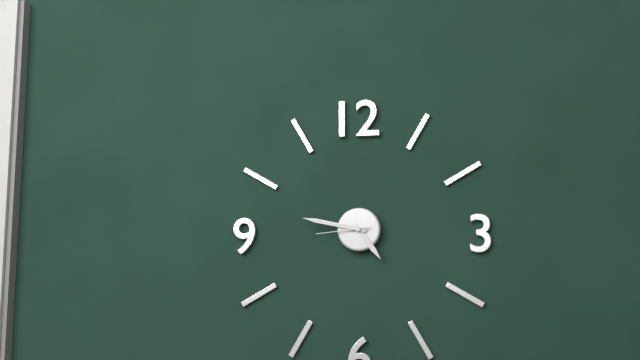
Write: 4:47:44
